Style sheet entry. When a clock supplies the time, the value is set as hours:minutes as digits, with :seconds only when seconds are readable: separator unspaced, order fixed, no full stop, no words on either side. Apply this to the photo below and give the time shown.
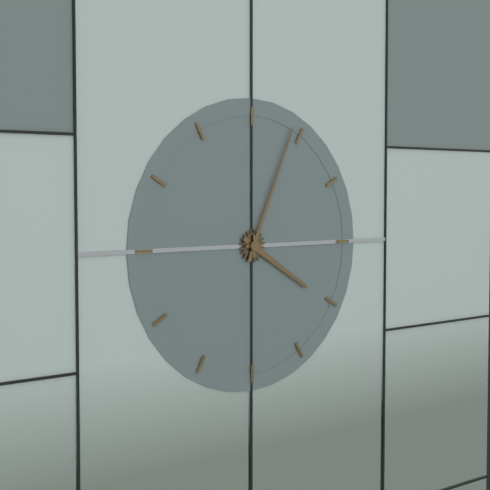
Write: 4:04
